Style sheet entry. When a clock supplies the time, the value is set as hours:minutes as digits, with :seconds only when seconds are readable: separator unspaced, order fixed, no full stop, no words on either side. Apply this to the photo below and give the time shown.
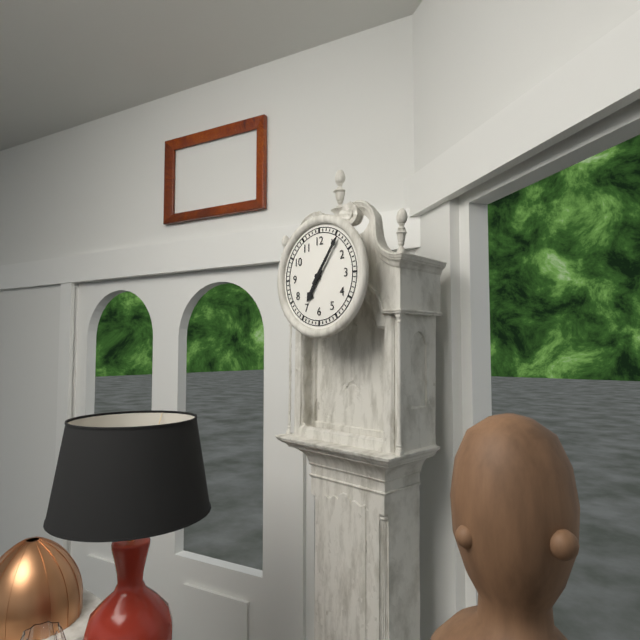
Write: 7:06
